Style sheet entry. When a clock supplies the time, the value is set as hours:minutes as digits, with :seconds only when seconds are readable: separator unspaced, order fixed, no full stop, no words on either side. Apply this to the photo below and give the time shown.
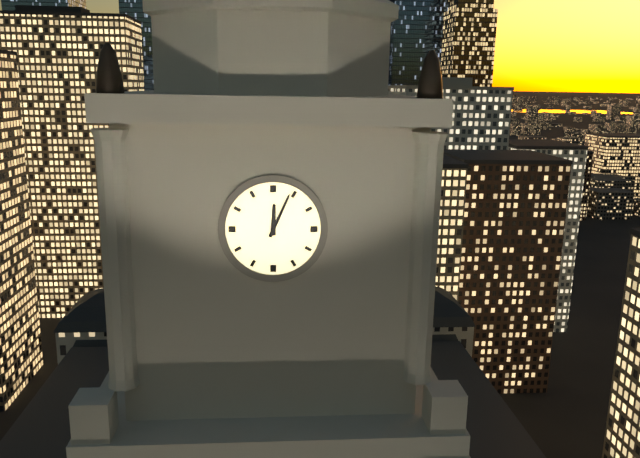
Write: 12:04
